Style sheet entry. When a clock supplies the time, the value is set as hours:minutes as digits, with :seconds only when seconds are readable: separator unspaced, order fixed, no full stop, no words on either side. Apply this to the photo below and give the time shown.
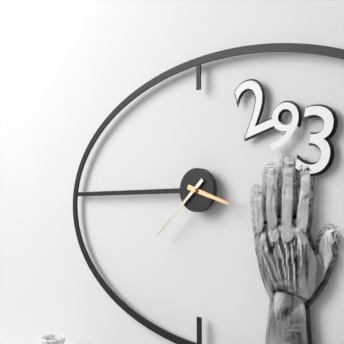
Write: 3:38
